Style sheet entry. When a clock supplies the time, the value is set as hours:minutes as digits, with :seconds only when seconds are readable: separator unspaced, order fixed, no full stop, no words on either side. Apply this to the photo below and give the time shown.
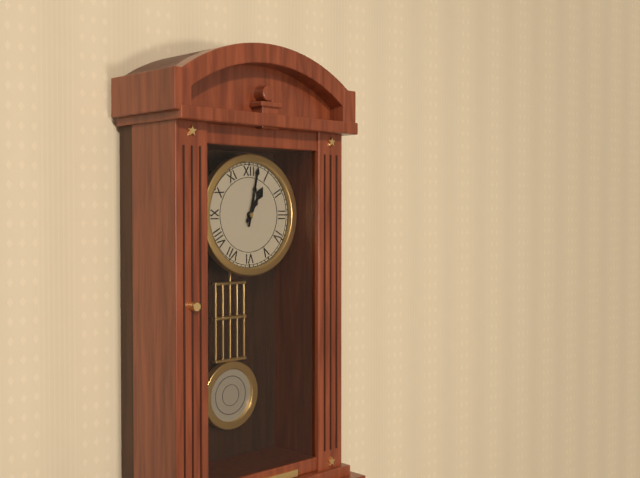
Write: 1:02
